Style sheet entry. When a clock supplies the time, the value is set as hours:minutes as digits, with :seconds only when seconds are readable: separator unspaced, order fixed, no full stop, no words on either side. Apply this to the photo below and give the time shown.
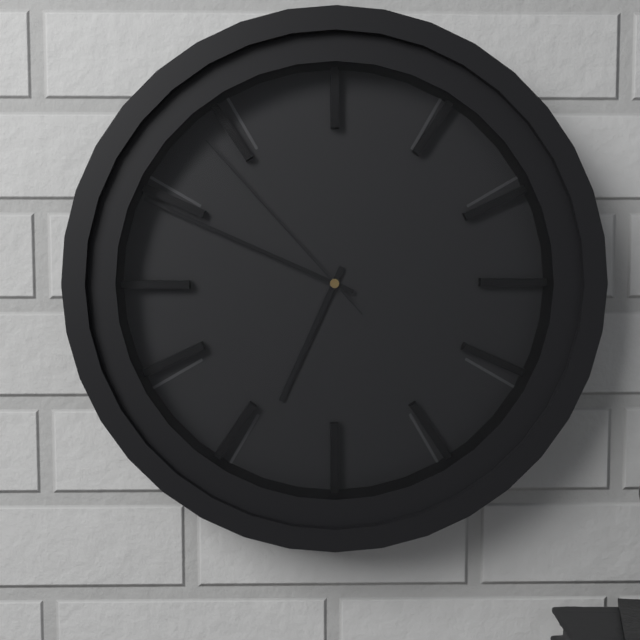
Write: 6:49:53
